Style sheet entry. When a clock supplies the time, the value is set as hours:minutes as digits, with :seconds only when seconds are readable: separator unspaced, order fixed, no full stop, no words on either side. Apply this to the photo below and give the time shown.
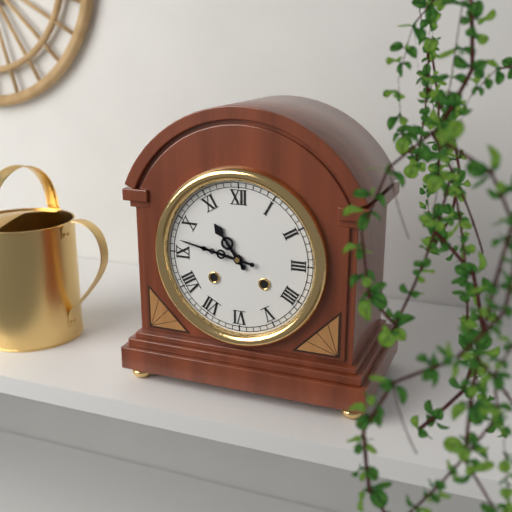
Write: 10:47
